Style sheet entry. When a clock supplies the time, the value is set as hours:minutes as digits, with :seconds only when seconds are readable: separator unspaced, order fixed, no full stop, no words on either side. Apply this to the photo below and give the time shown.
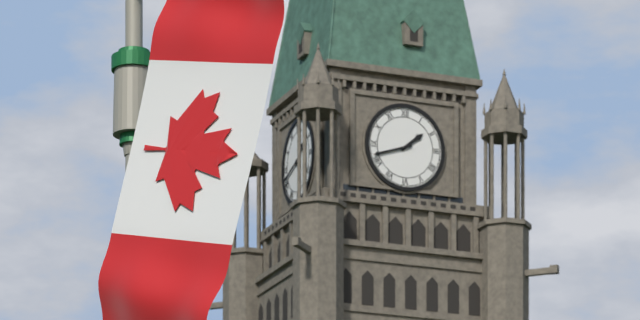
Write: 1:42
